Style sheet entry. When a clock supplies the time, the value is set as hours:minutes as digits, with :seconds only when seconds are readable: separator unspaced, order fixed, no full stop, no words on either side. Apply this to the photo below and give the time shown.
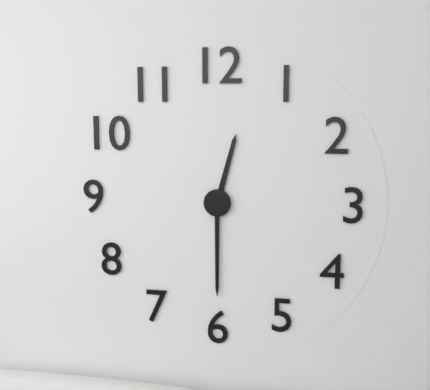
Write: 12:30
